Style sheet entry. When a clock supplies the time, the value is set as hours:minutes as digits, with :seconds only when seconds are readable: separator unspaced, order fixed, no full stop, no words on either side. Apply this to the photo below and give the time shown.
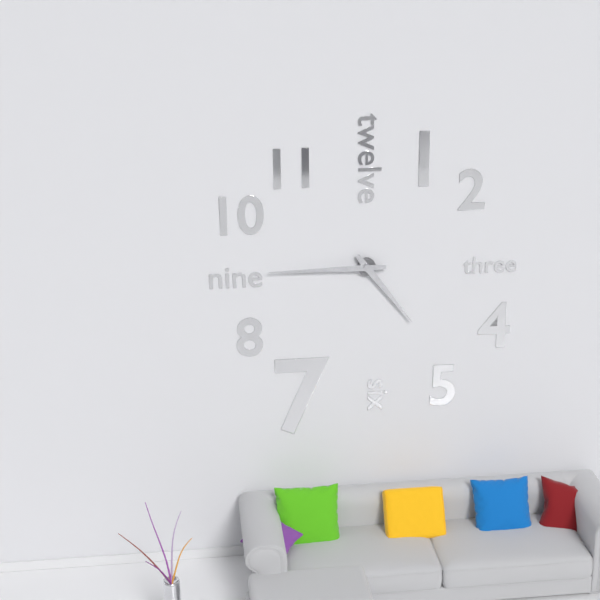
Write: 4:45
